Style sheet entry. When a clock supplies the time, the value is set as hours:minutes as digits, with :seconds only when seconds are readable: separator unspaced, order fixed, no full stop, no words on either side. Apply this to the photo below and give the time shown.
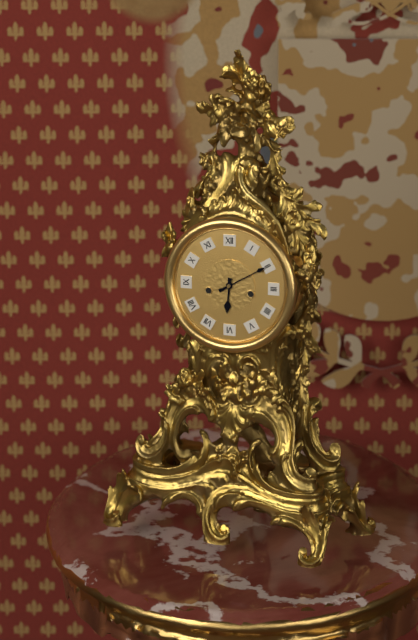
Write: 6:10
